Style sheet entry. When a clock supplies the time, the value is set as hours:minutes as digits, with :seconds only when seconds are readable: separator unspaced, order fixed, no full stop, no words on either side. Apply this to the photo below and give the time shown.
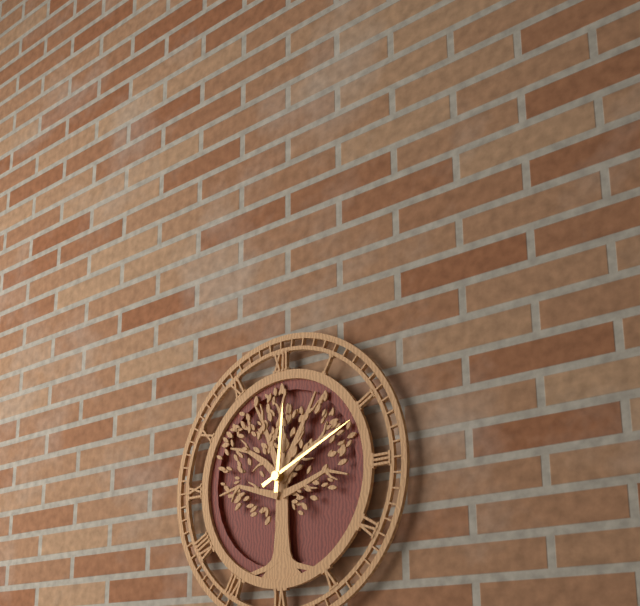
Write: 12:11
